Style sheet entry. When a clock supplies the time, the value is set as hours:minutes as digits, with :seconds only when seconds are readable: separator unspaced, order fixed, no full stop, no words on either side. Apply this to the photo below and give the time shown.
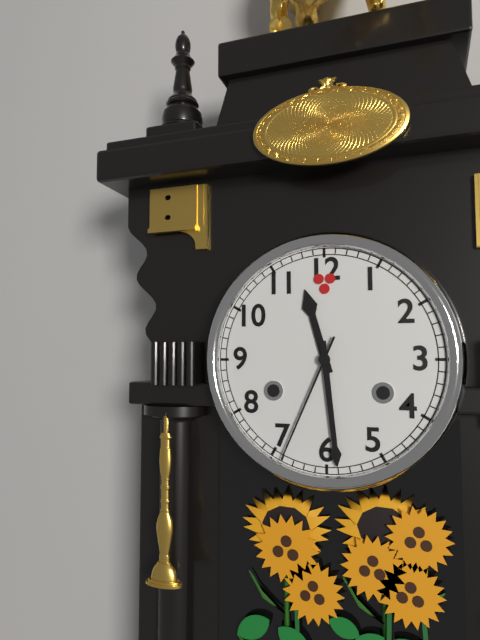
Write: 11:29:34
